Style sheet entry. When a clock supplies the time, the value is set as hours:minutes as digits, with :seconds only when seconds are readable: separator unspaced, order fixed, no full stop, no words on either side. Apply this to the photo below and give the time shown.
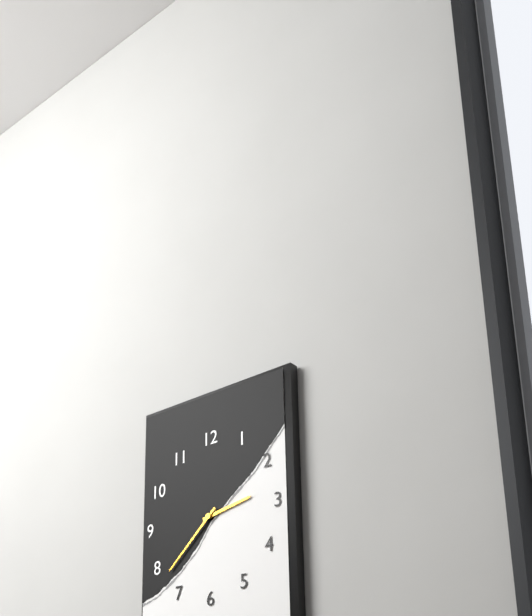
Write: 2:38
